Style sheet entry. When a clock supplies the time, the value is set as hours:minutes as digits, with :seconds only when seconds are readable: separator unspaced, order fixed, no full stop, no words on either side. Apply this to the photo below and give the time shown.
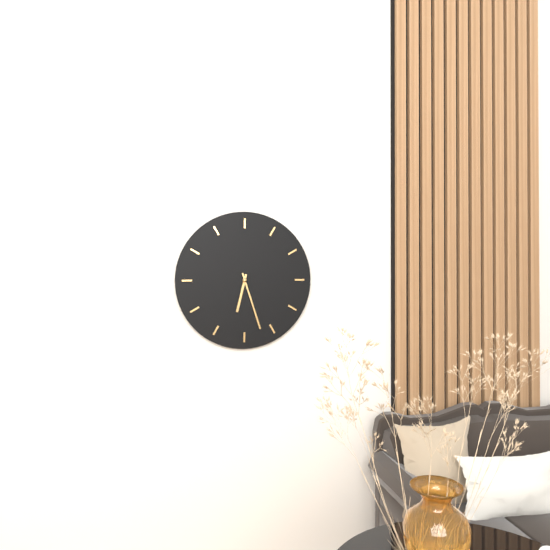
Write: 6:27
